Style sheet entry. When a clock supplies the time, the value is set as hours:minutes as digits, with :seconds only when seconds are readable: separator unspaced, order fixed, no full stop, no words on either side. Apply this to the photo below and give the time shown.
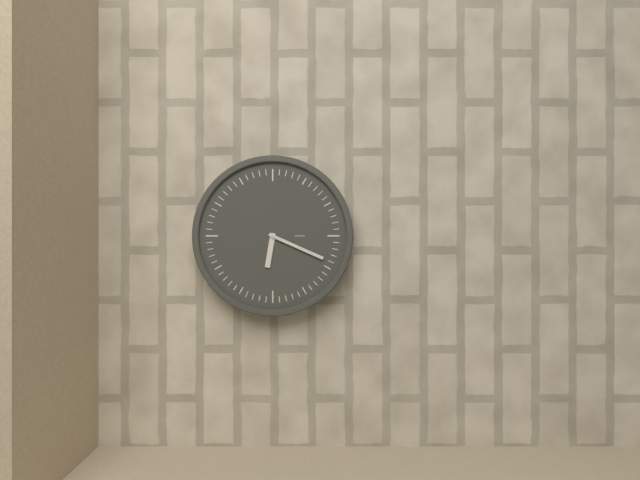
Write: 6:19
